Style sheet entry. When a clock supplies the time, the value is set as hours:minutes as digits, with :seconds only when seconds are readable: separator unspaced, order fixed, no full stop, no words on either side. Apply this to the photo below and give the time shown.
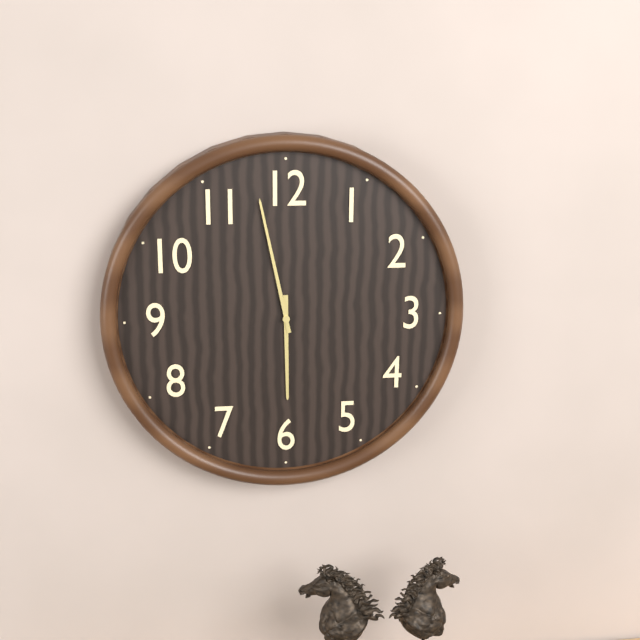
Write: 5:58
